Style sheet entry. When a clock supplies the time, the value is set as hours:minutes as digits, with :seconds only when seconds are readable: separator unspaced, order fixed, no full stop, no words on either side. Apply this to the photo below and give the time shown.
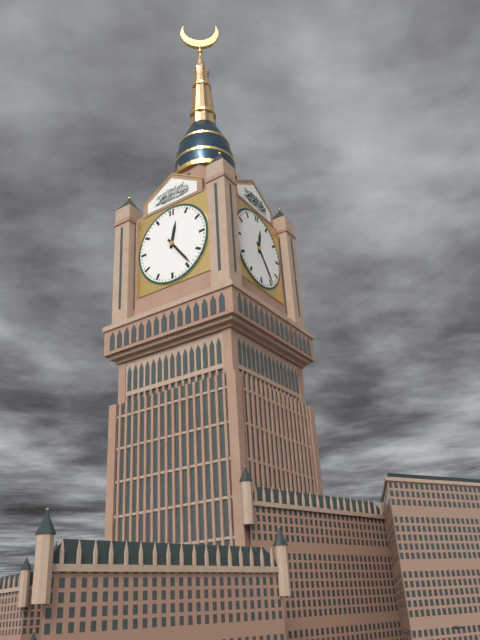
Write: 12:24
